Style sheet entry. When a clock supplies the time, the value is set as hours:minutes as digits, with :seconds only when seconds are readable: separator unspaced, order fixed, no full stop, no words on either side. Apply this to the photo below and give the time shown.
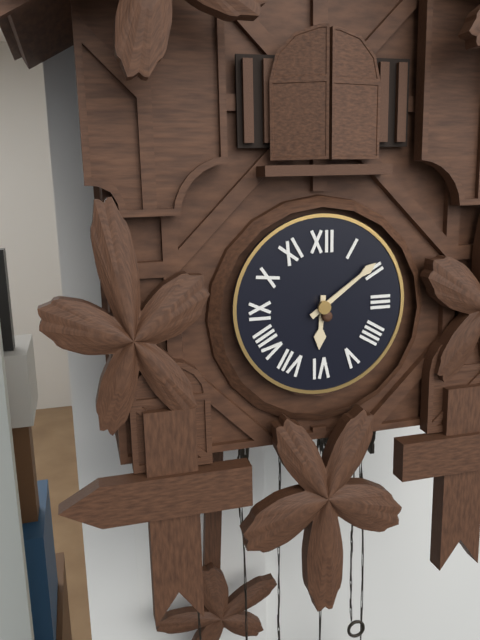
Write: 6:09
